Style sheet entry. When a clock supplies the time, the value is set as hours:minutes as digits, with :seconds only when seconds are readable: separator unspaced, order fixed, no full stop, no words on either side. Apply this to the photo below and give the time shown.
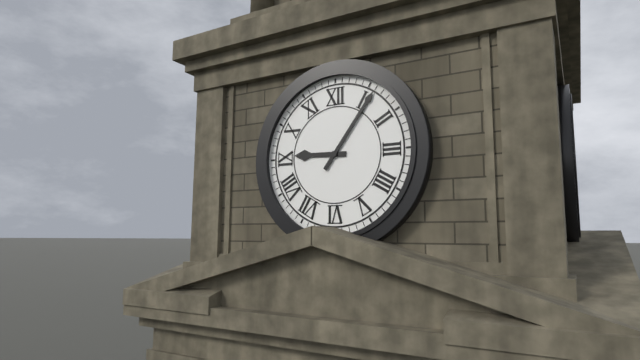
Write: 9:06
